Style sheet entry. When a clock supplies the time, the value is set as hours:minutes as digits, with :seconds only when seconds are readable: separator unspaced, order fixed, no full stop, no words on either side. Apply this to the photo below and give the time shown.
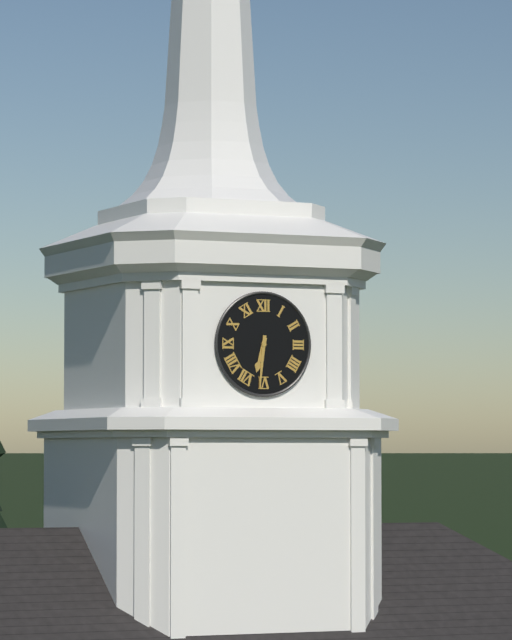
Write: 6:31
